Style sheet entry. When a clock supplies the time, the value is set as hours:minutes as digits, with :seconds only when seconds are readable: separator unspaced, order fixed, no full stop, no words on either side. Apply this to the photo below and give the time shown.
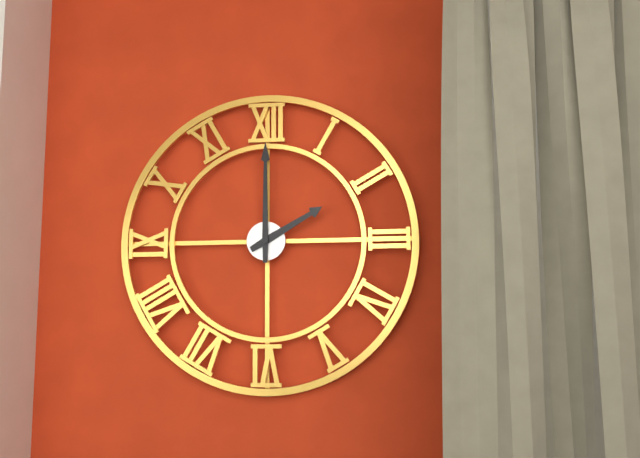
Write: 2:00
